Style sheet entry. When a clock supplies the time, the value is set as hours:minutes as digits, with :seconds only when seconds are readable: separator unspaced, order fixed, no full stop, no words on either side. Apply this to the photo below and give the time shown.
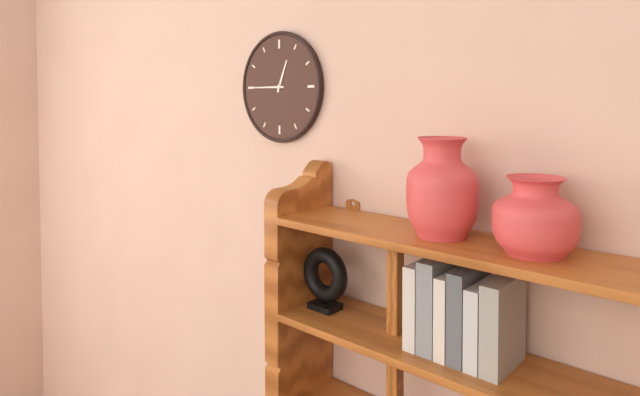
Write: 12:45
